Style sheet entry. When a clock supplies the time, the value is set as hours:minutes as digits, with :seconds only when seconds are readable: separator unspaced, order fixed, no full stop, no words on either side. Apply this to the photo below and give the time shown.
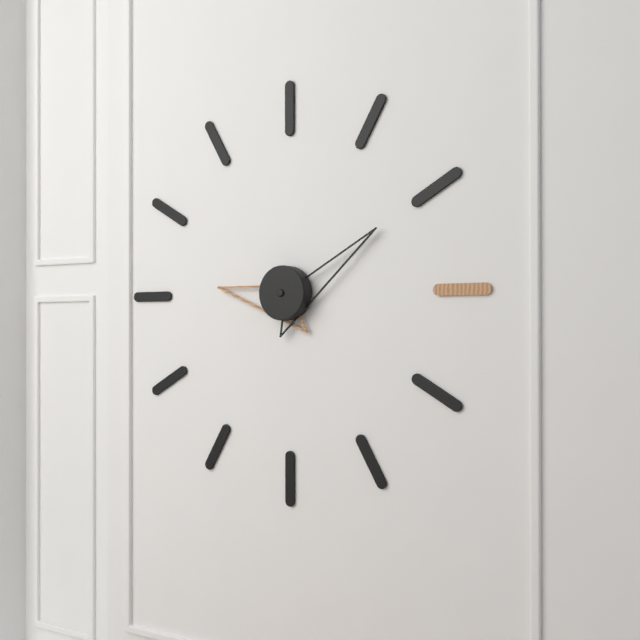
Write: 9:10
